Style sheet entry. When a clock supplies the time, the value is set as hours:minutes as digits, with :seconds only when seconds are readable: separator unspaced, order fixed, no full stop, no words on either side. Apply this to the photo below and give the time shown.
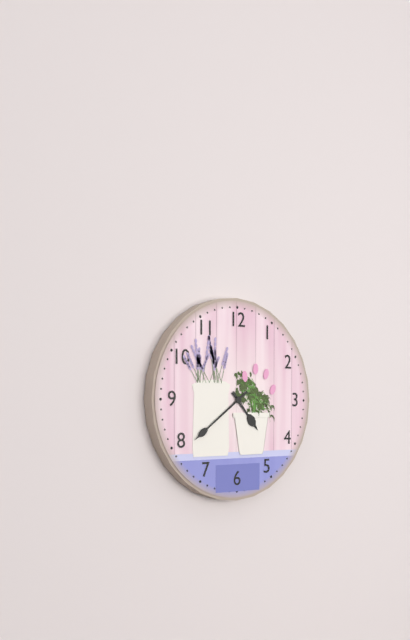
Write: 4:39
